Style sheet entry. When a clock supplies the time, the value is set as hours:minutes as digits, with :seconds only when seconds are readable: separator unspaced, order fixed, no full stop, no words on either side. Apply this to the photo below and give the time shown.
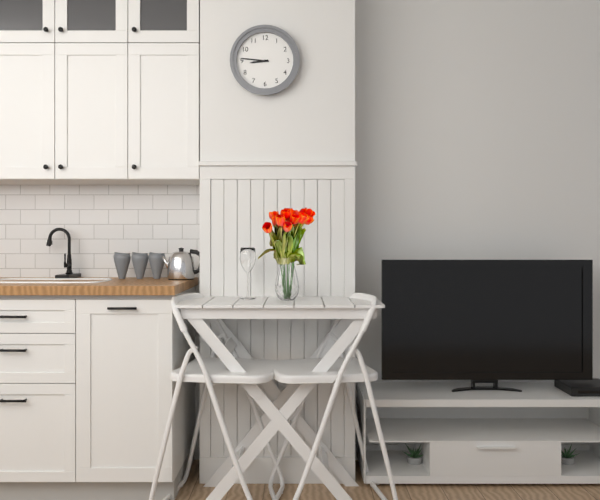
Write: 8:46
